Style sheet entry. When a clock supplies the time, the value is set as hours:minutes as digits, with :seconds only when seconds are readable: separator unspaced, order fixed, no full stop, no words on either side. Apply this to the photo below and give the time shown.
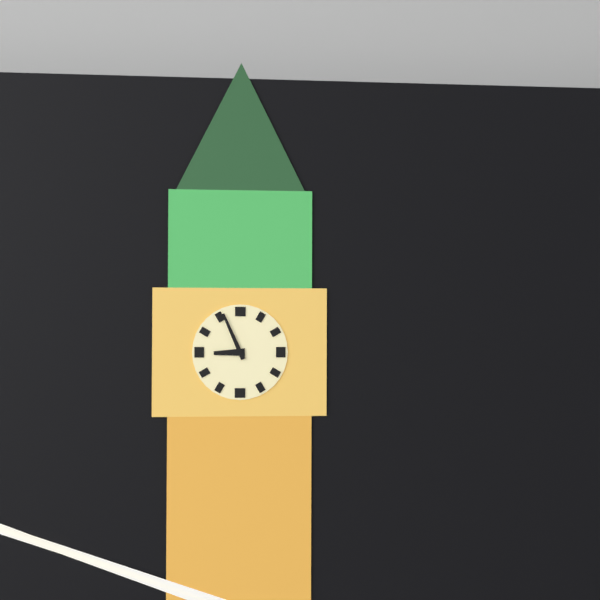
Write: 8:56
